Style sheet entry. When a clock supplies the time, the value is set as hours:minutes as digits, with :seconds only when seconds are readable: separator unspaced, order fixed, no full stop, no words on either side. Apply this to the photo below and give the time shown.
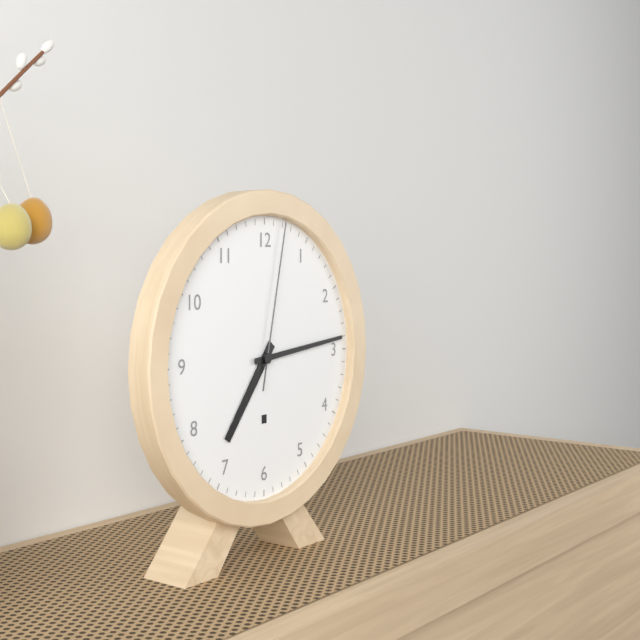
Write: 7:14:02
